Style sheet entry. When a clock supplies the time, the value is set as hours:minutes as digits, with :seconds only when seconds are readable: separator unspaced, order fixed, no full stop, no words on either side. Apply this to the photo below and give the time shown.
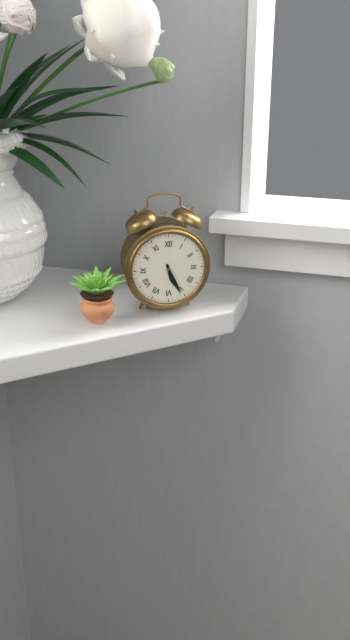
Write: 5:26
